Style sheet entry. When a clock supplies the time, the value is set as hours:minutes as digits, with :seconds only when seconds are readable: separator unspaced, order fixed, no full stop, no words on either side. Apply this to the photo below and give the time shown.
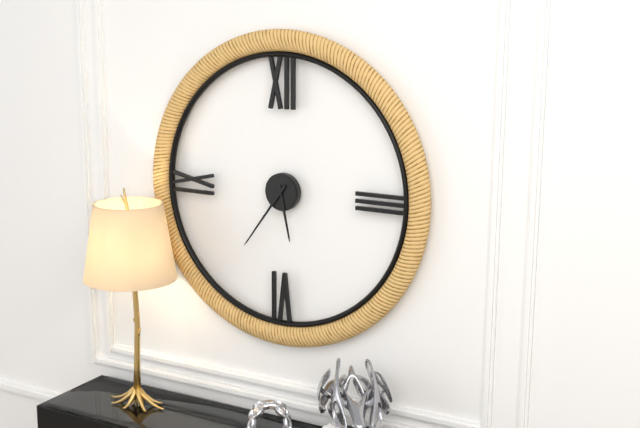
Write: 5:36
